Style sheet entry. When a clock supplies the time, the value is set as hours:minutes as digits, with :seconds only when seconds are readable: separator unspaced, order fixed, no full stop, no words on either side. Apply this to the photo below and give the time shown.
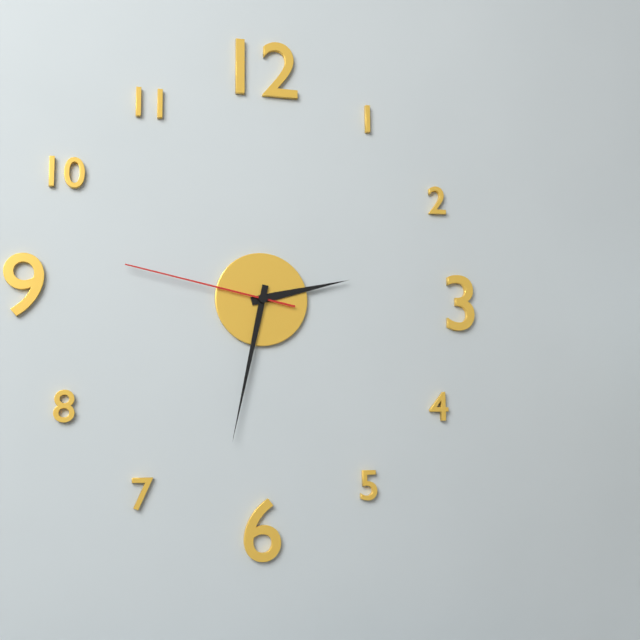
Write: 2:32:47
